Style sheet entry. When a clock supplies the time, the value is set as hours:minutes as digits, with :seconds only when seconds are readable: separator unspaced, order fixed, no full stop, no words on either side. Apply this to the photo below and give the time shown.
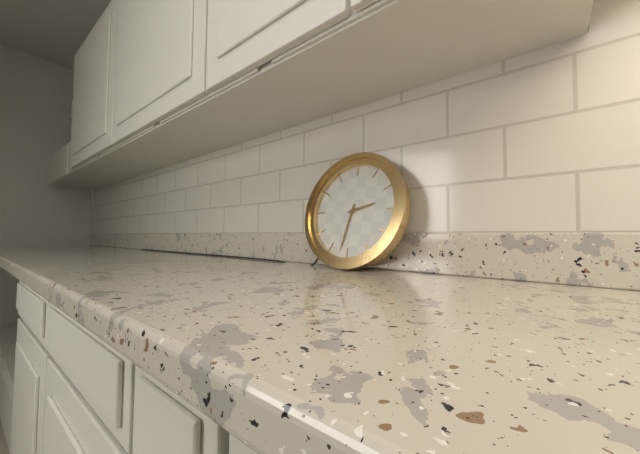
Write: 2:32
